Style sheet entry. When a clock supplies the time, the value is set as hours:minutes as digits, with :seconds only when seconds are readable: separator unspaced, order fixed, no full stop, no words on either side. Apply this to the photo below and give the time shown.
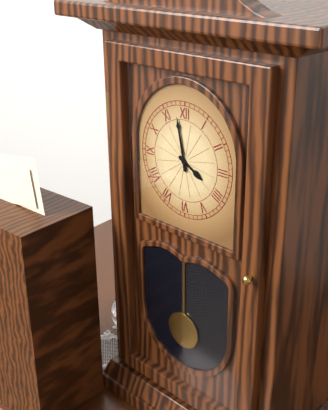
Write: 3:58
